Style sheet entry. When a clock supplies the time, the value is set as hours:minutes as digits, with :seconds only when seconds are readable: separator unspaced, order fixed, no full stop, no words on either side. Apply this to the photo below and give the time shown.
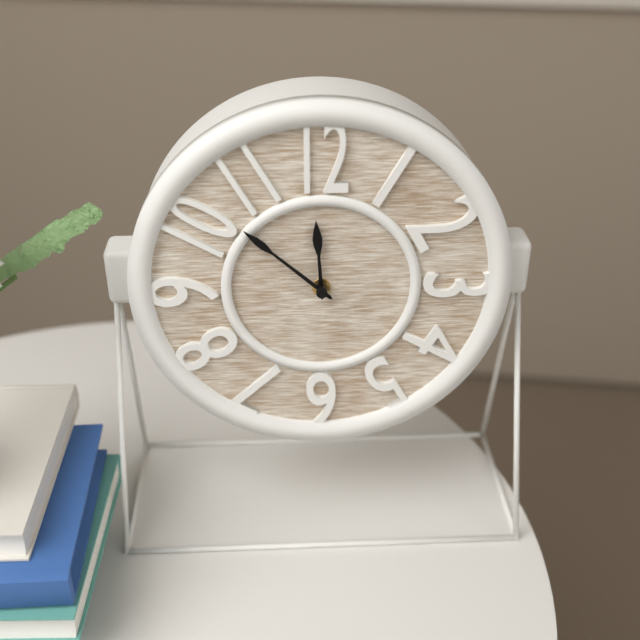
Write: 11:52
